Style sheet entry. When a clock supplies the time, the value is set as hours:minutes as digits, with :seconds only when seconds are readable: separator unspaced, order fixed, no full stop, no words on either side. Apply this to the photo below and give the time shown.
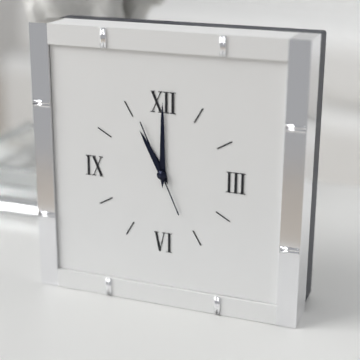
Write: 11:00:56
